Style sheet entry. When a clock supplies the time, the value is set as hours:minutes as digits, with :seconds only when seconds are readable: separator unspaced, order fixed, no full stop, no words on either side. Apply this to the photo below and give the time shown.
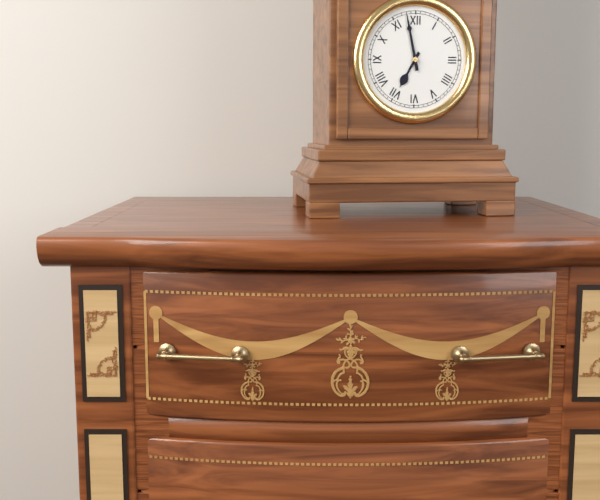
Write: 6:58
